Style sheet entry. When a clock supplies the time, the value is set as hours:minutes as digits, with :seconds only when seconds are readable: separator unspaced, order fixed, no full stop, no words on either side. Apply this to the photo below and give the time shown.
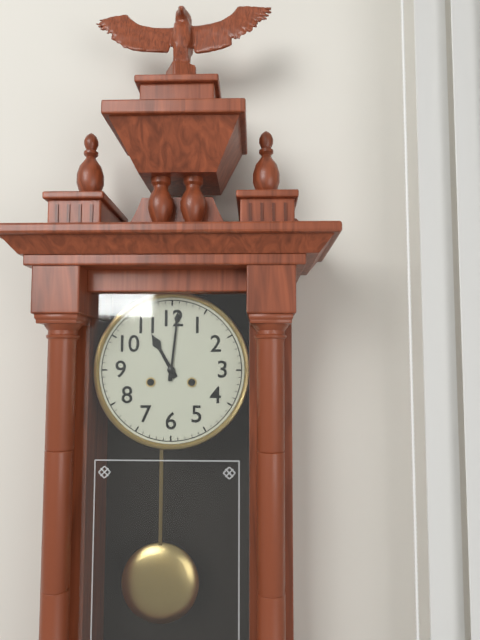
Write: 11:01
